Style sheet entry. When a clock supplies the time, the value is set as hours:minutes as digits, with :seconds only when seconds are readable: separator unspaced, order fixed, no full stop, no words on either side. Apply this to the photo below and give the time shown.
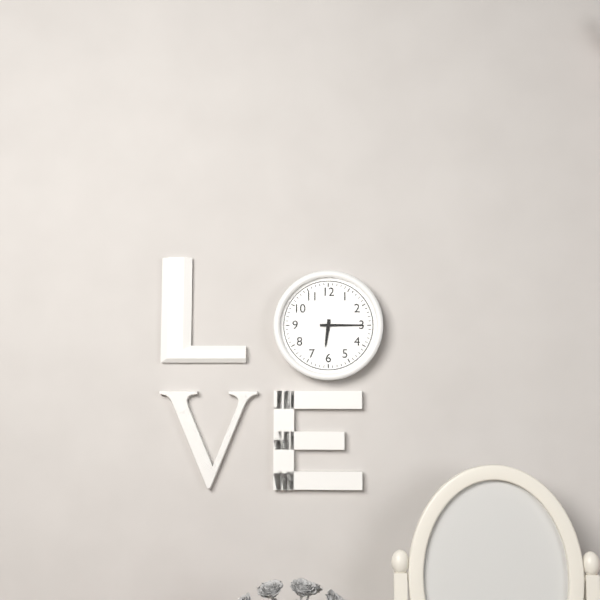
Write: 6:15
